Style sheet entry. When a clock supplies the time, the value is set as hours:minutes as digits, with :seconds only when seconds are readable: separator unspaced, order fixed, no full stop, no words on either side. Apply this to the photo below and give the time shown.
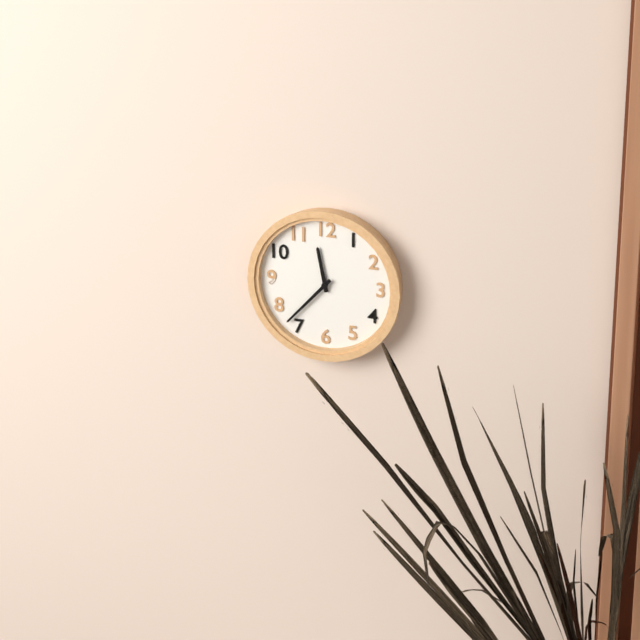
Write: 11:37
